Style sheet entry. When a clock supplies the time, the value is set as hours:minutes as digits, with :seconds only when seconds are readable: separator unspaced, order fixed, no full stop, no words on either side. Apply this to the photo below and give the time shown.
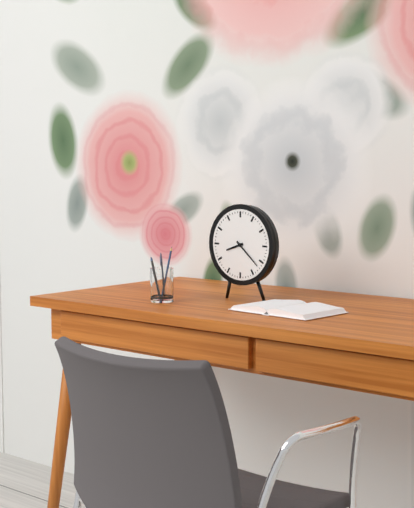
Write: 8:22
